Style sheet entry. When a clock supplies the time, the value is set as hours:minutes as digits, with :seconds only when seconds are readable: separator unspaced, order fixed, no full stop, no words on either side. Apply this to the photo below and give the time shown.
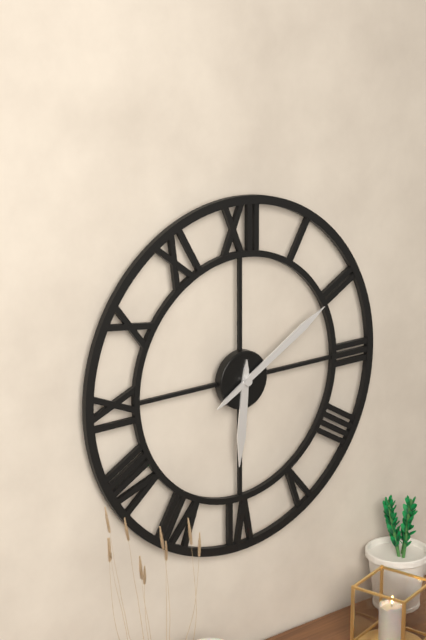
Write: 6:10
